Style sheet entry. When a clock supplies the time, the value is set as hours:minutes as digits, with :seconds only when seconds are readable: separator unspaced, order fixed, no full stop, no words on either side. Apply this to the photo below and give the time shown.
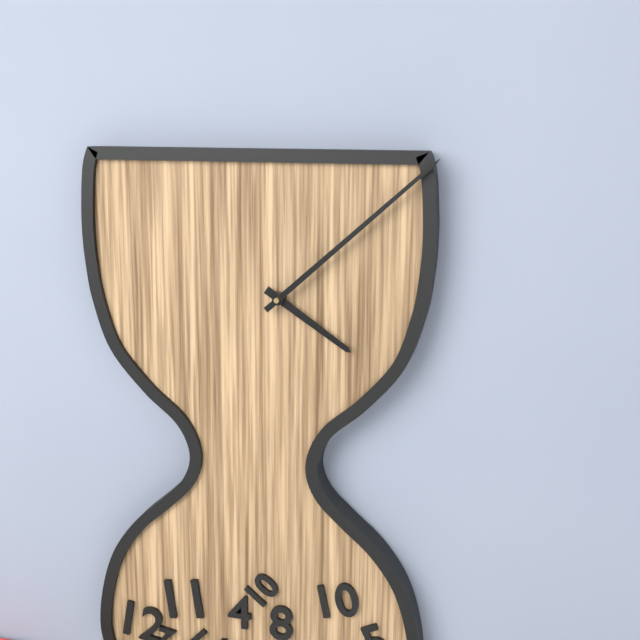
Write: 4:08
